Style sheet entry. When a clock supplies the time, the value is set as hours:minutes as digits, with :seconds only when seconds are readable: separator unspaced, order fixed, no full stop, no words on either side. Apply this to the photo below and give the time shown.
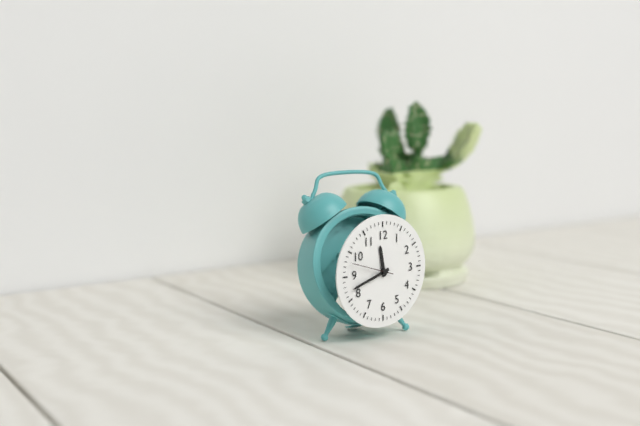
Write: 11:42
